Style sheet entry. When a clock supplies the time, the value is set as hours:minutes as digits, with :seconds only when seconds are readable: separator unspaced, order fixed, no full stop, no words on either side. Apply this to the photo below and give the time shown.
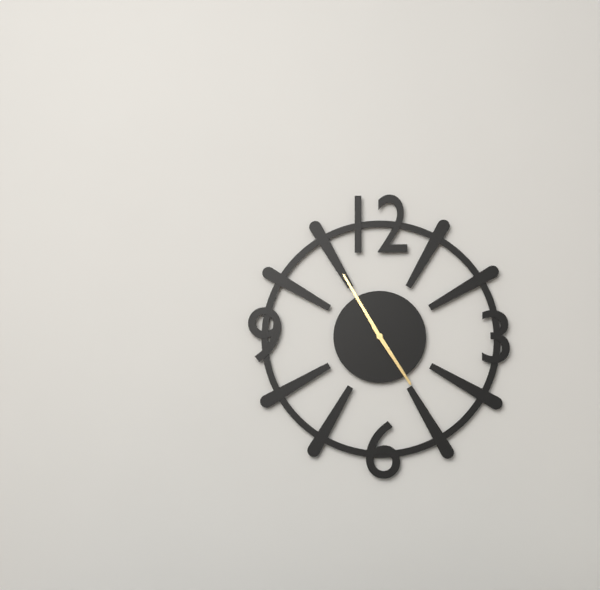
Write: 4:55
